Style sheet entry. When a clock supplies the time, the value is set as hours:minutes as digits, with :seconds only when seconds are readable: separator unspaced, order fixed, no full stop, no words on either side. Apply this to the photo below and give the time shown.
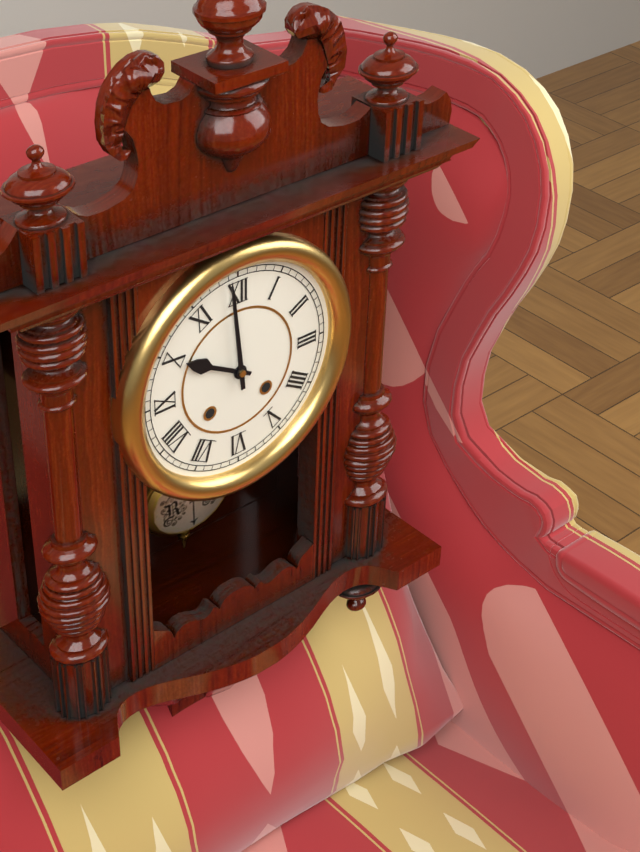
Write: 9:59
